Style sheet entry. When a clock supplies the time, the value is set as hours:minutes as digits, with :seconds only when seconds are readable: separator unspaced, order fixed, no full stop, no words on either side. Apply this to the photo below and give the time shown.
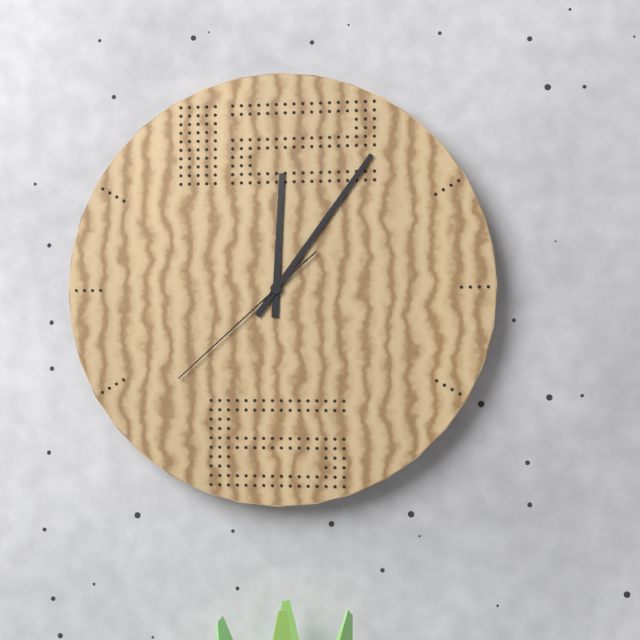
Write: 12:06:38
